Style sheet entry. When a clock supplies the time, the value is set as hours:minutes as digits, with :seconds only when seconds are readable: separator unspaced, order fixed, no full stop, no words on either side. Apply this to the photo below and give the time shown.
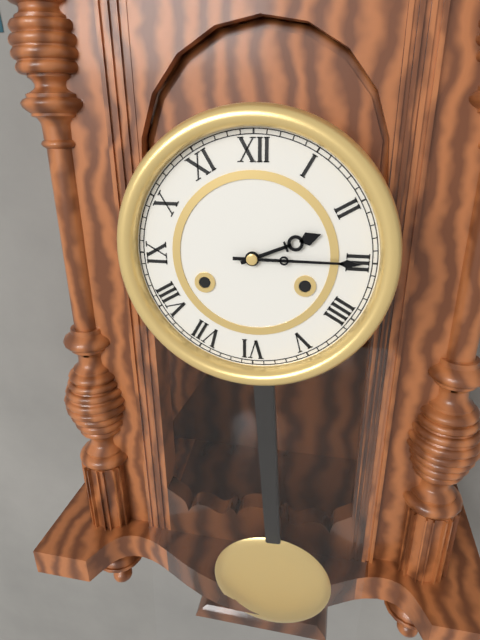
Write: 2:15
